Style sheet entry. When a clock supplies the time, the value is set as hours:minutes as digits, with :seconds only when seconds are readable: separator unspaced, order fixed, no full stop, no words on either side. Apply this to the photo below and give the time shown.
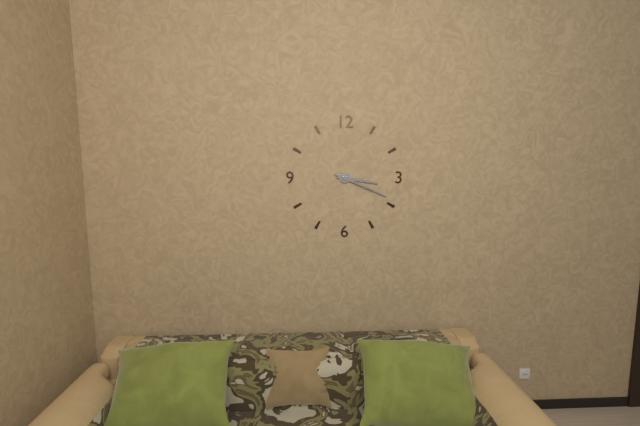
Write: 3:19
